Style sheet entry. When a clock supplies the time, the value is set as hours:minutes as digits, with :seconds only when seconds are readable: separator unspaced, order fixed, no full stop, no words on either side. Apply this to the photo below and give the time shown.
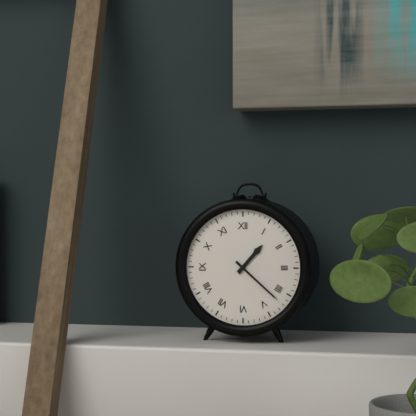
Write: 1:22
